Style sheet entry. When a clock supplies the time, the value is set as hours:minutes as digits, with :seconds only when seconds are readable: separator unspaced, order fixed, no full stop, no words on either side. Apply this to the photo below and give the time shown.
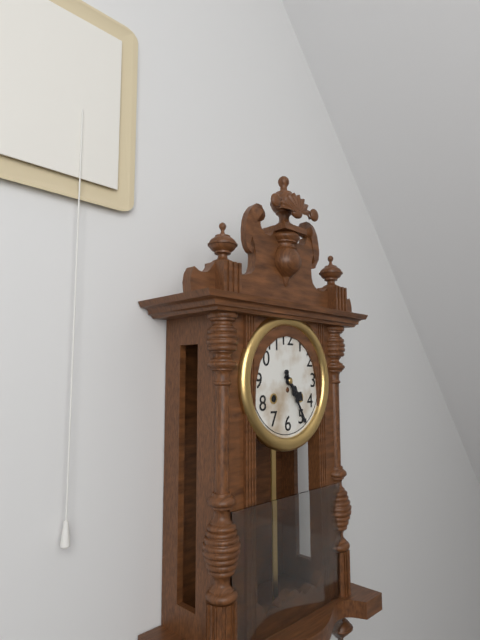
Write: 4:25
